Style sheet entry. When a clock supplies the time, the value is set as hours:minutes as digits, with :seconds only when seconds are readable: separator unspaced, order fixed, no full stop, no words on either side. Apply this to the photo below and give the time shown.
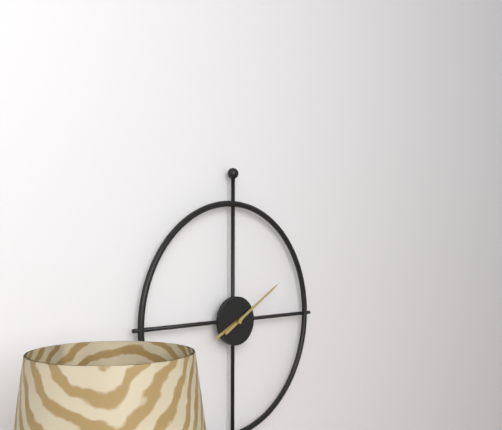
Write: 8:10
